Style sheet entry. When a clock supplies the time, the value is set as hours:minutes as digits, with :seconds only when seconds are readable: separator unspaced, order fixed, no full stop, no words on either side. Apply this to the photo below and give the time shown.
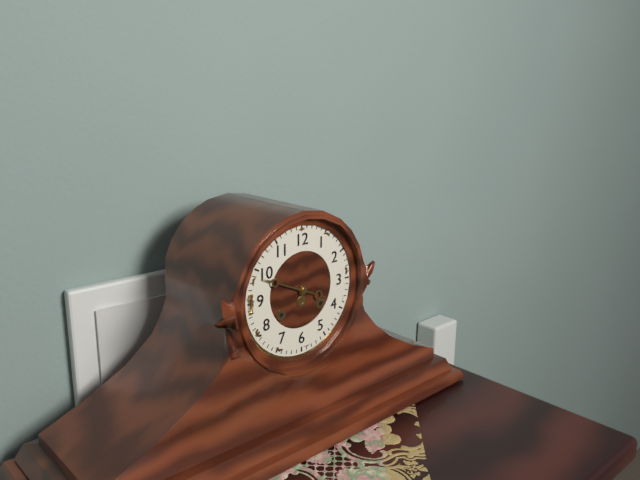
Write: 3:49
